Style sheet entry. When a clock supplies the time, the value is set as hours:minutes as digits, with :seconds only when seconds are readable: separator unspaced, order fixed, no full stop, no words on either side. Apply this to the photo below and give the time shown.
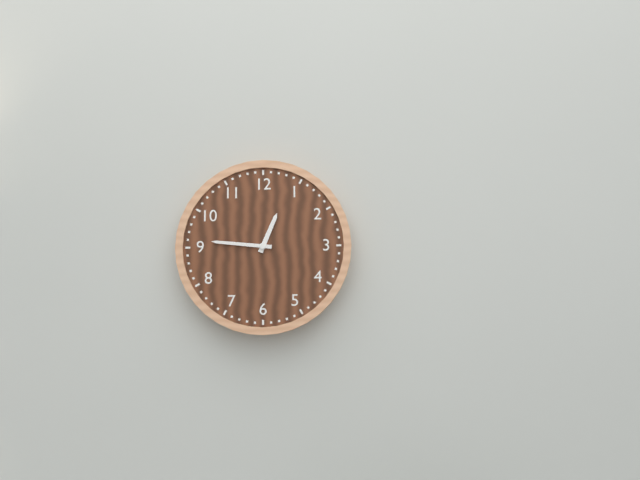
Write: 12:46
